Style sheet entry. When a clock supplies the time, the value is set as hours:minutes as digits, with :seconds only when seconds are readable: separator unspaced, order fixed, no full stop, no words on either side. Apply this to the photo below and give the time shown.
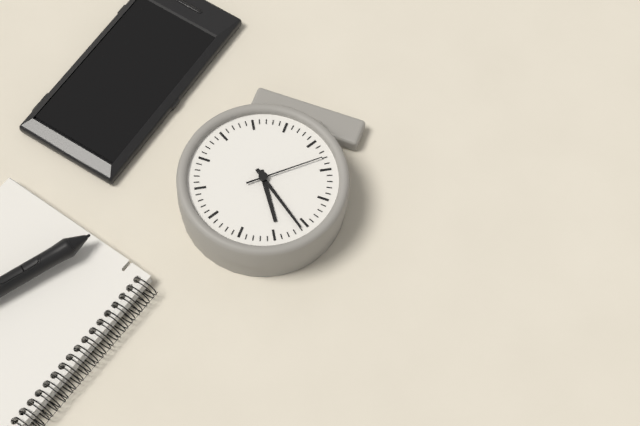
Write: 10:51:38
